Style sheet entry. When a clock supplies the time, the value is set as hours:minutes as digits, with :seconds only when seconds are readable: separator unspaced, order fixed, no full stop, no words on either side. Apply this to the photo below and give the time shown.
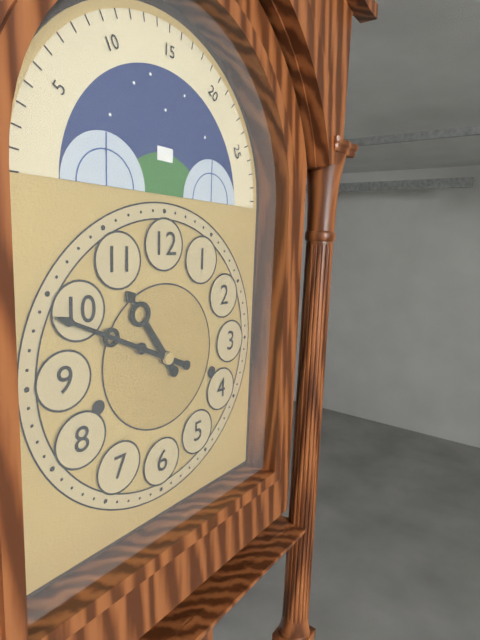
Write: 10:49
